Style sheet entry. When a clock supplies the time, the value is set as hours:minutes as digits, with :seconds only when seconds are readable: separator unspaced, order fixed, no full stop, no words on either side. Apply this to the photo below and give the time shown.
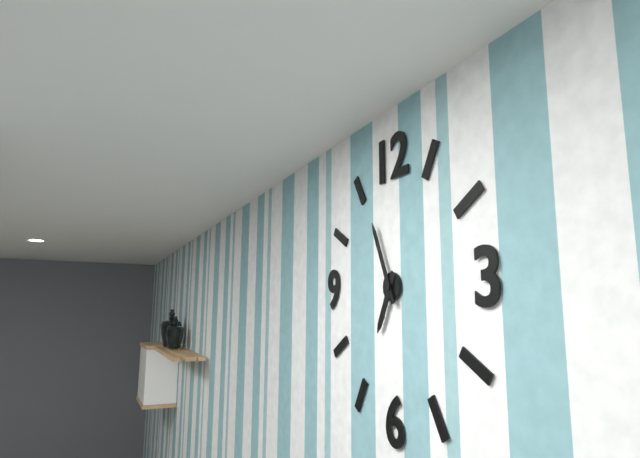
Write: 6:56
